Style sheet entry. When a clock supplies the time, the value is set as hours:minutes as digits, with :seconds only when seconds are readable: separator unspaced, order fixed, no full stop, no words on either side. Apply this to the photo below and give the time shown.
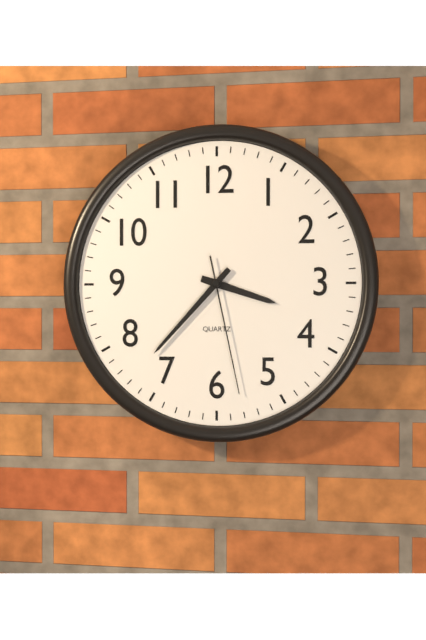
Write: 3:37:28
